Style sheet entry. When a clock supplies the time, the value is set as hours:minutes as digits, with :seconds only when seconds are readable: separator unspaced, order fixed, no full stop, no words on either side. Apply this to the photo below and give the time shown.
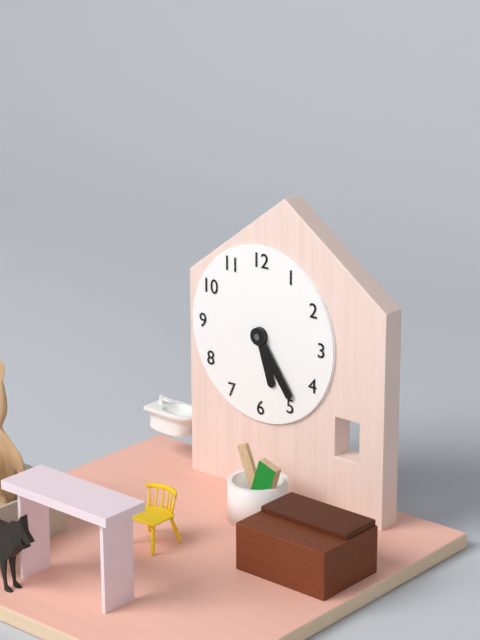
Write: 5:24
